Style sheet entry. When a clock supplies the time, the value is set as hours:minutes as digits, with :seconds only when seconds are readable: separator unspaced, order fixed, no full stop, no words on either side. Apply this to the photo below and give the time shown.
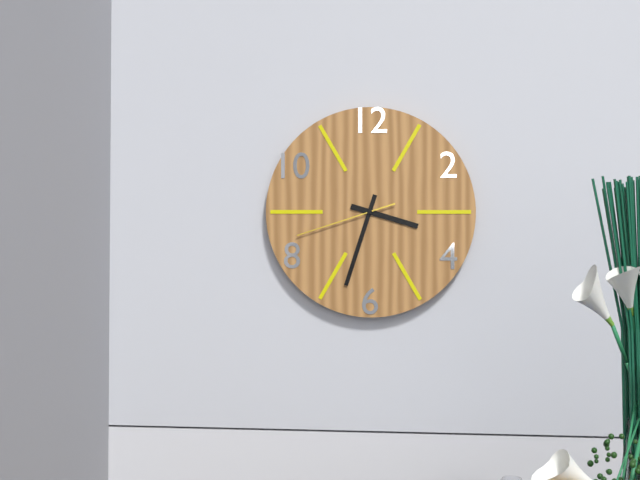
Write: 3:33:42
